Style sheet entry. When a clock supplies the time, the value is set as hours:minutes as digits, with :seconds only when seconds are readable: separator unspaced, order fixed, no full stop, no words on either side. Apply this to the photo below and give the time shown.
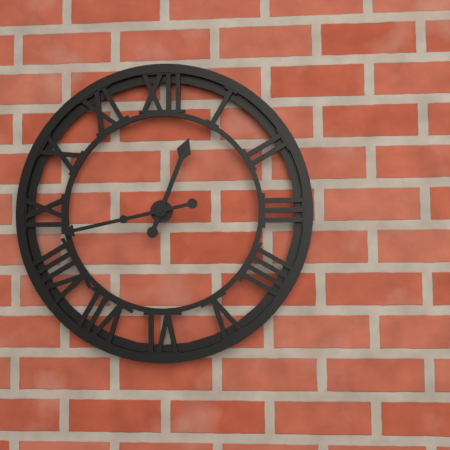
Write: 12:43
